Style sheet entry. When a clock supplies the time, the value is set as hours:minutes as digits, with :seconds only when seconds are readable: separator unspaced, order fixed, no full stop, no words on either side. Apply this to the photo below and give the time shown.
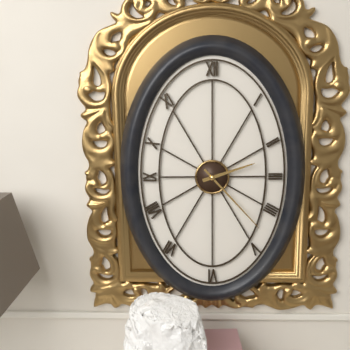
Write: 2:23
